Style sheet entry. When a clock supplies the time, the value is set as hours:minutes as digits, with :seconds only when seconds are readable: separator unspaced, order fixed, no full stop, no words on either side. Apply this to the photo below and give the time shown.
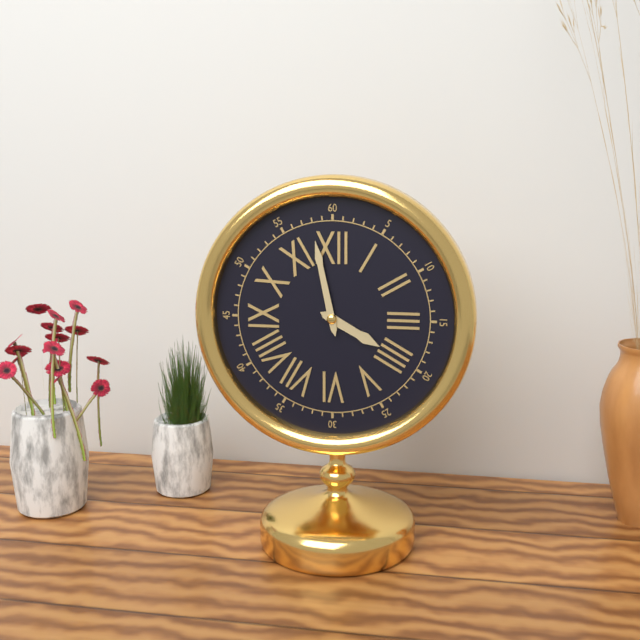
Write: 3:58
